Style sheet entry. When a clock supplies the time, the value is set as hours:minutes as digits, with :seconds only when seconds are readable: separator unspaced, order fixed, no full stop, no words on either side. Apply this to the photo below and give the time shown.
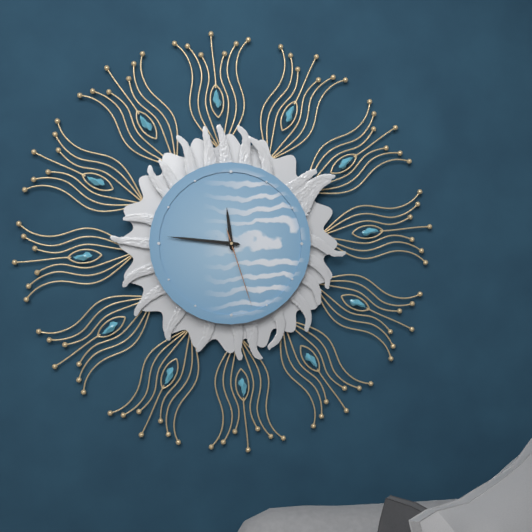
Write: 11:46:27
